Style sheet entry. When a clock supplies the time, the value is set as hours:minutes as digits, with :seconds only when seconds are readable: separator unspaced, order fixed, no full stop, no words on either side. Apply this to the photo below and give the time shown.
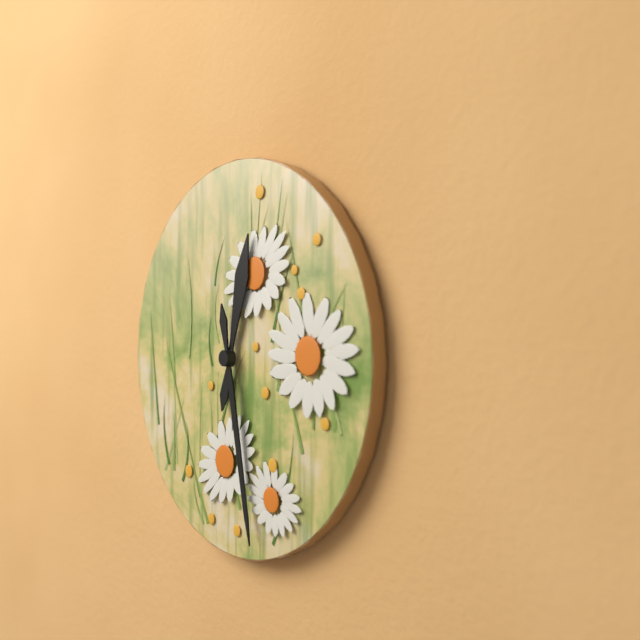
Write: 12:28
